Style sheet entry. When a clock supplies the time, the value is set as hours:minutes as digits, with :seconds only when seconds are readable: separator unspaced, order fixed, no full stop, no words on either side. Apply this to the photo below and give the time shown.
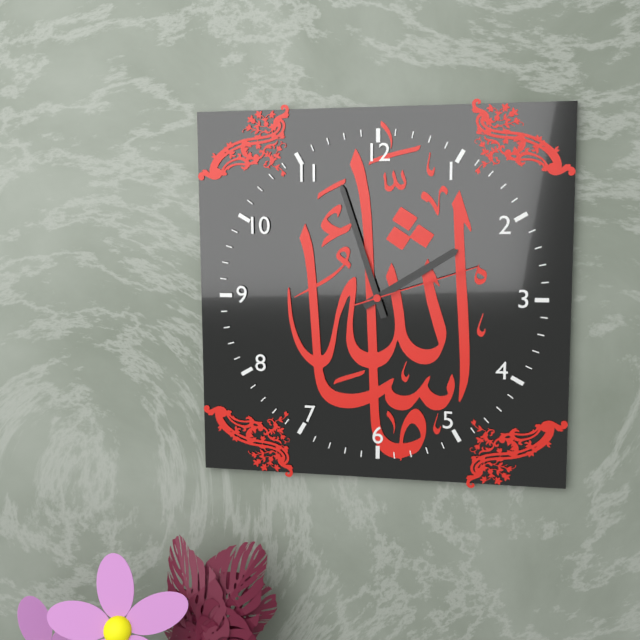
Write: 1:57:12
